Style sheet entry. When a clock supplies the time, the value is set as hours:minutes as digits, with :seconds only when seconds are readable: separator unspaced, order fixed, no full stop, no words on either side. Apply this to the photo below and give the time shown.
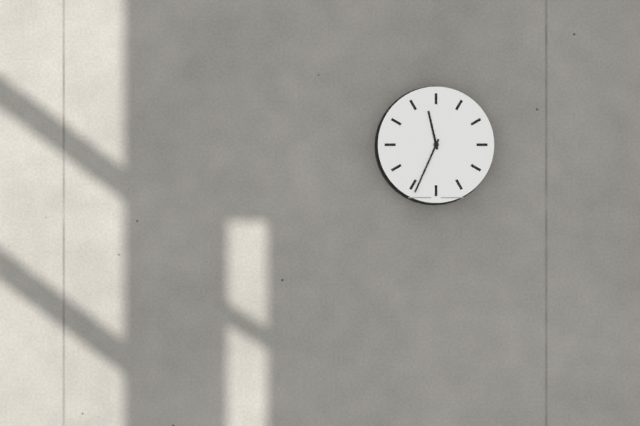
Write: 11:34
